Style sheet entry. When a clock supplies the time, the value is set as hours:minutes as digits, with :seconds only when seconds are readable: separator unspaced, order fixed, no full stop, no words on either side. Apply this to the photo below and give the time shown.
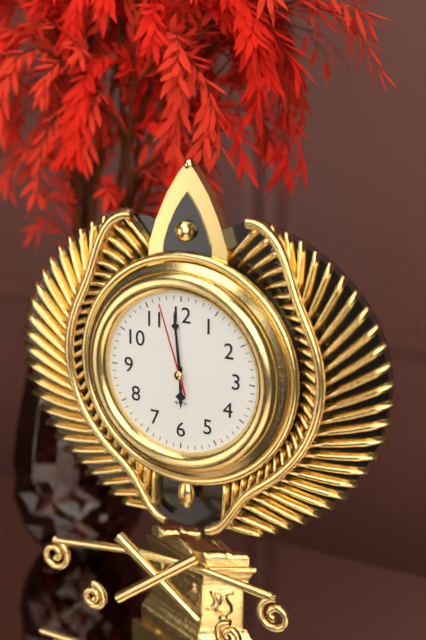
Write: 5:59:57
